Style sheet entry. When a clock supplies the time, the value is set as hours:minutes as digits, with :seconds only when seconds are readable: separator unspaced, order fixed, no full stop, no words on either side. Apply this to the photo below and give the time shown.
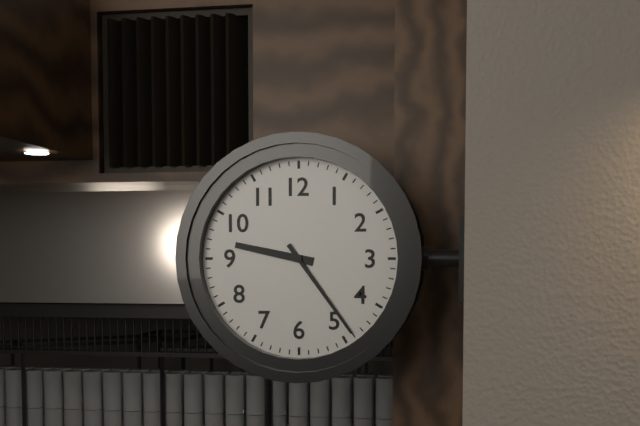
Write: 9:24
